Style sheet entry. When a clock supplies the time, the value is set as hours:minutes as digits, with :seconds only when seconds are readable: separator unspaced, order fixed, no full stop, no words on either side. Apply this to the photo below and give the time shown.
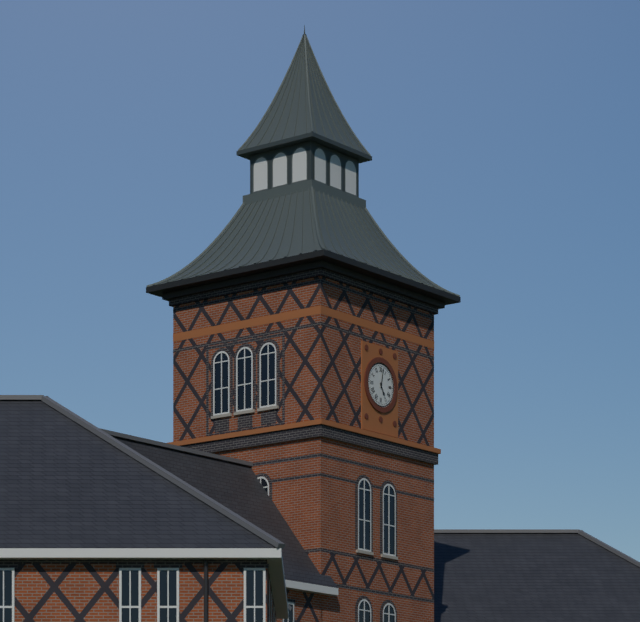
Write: 5:02
